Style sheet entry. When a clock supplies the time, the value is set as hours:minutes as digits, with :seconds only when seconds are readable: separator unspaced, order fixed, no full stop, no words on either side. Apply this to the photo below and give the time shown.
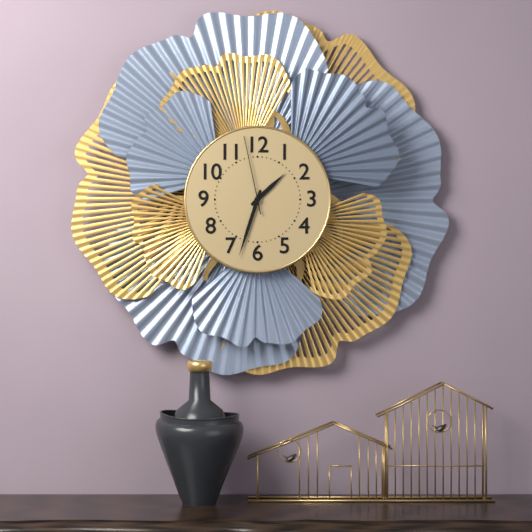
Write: 1:33:58
